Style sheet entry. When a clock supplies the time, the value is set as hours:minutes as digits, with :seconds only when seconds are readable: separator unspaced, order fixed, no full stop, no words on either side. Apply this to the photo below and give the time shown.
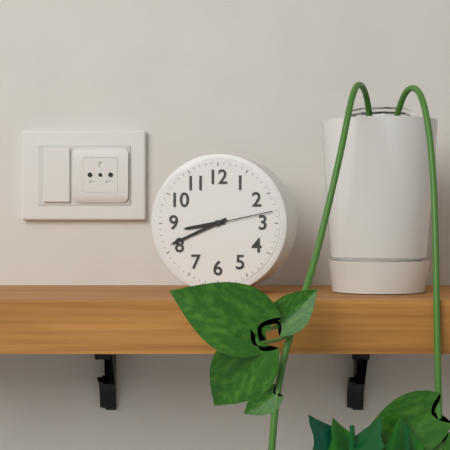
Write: 8:41:13
